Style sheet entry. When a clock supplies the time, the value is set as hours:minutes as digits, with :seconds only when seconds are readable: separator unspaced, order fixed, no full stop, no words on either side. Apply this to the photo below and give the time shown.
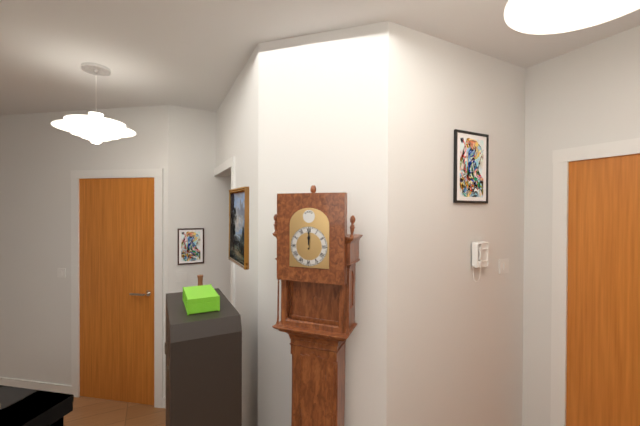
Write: 12:00
